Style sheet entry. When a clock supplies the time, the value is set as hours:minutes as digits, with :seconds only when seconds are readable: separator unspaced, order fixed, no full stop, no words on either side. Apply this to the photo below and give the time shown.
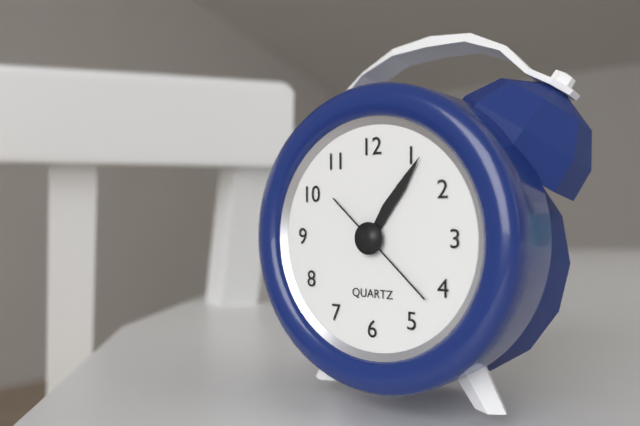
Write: 1:06:22
